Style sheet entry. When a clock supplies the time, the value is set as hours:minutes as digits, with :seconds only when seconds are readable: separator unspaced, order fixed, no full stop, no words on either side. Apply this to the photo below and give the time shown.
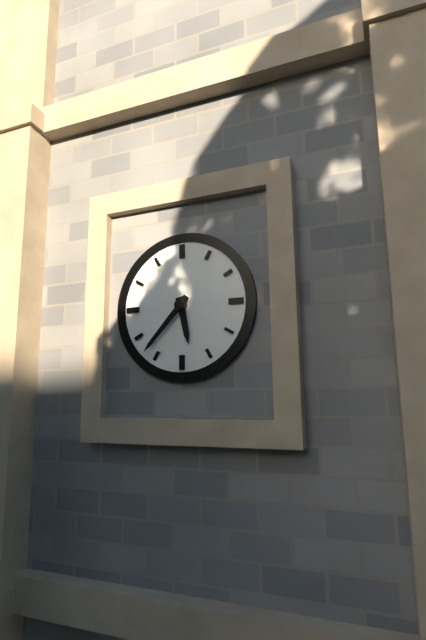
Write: 5:37
